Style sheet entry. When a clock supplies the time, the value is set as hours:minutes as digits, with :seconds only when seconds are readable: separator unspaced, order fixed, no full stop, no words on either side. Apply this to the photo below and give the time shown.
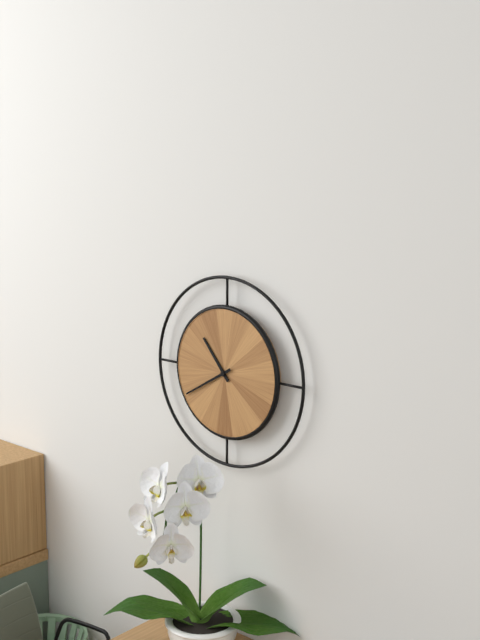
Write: 10:40
